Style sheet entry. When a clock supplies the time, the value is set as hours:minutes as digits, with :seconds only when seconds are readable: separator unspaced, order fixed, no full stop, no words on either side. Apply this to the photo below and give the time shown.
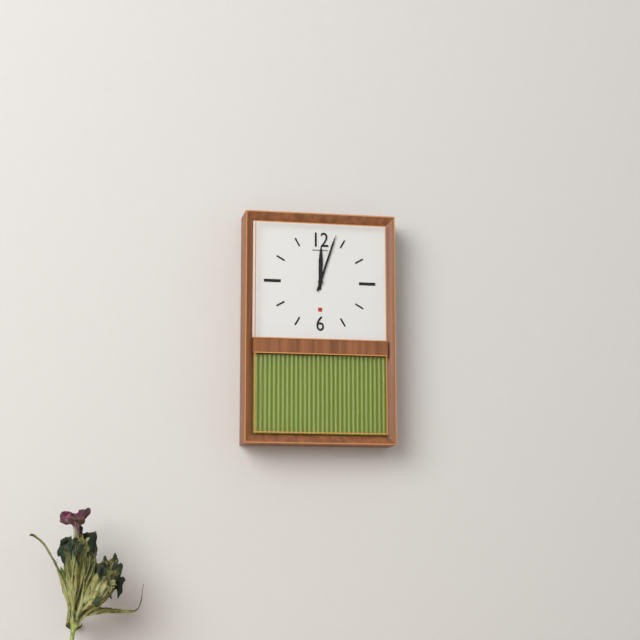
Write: 12:03
